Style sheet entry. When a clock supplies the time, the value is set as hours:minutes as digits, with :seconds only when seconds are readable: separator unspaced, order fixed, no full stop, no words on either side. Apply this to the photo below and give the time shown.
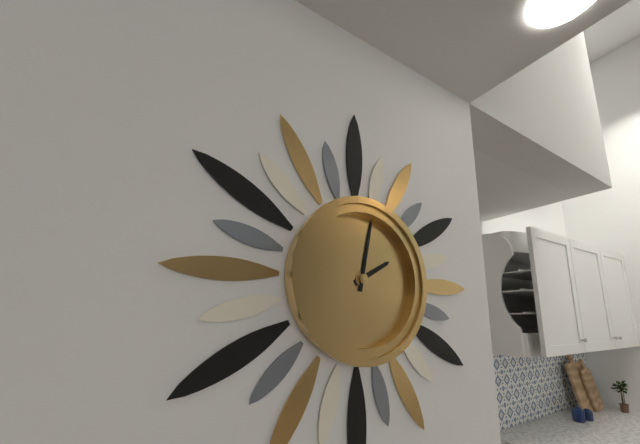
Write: 2:02
